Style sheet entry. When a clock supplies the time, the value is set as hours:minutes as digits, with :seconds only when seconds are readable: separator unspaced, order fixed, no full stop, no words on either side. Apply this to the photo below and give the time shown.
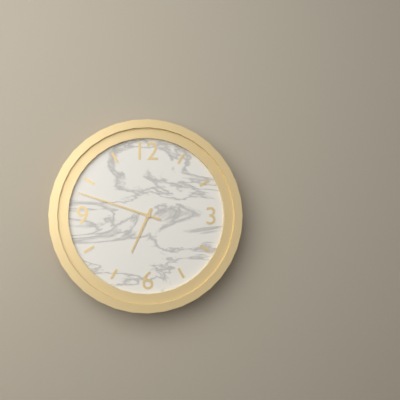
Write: 6:48
